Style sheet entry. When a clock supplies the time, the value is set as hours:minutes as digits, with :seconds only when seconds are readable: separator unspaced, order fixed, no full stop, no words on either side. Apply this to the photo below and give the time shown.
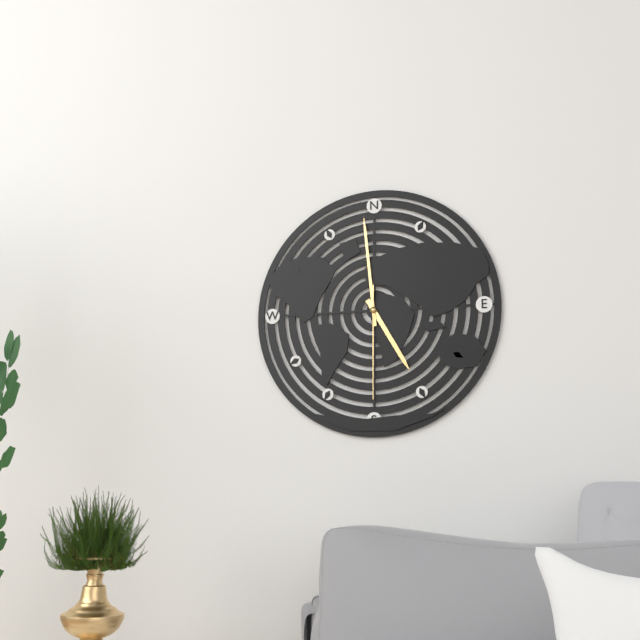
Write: 4:59:30
